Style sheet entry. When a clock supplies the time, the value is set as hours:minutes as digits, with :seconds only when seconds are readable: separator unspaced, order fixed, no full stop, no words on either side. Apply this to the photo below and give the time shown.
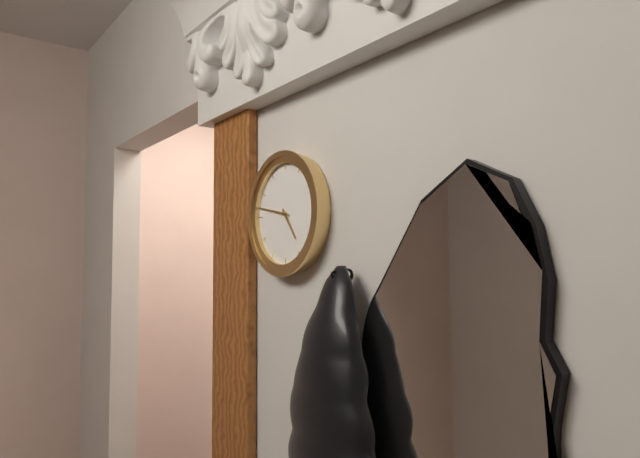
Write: 4:47
